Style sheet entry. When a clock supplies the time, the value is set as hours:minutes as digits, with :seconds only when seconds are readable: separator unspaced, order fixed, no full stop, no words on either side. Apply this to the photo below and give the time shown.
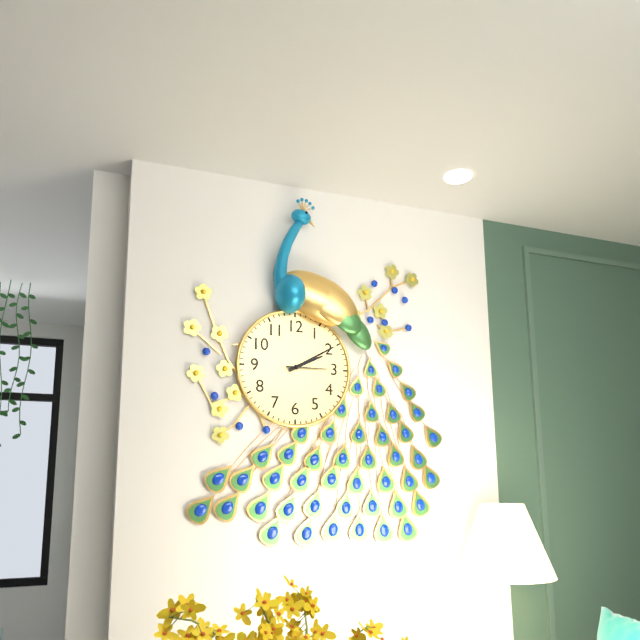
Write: 2:10
